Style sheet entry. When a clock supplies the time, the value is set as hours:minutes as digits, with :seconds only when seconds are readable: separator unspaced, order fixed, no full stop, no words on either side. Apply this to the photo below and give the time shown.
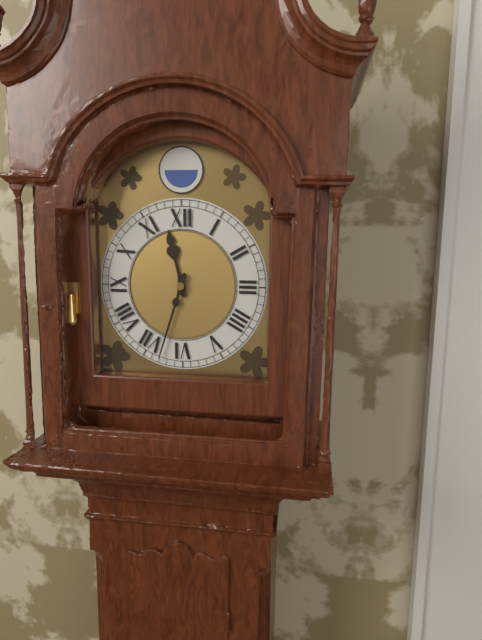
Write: 11:33
